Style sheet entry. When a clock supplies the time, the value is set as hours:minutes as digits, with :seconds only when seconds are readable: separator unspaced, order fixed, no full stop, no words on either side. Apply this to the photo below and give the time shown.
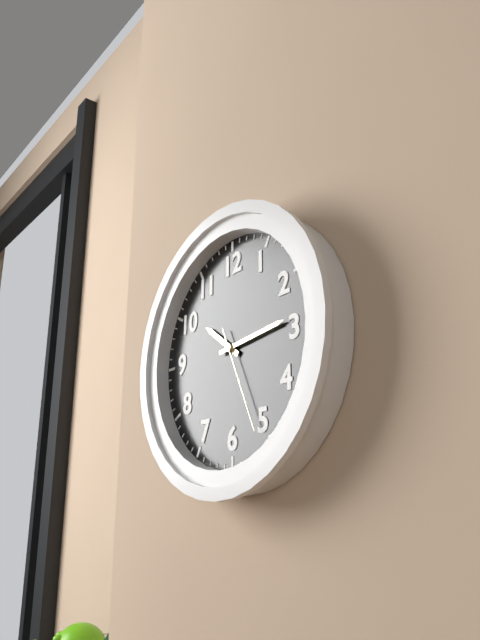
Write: 10:14:26
